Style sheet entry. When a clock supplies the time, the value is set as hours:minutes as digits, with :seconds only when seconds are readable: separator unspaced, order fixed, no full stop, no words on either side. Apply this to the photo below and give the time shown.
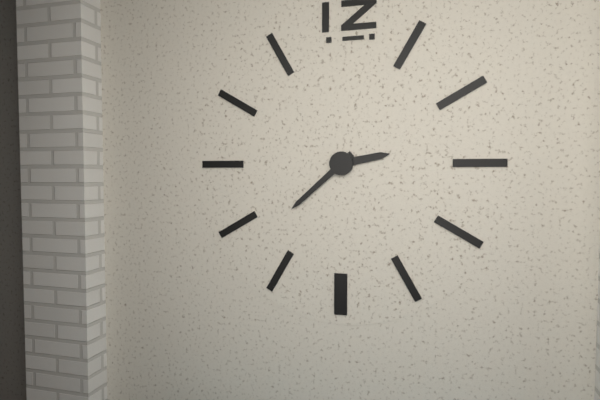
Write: 2:38
